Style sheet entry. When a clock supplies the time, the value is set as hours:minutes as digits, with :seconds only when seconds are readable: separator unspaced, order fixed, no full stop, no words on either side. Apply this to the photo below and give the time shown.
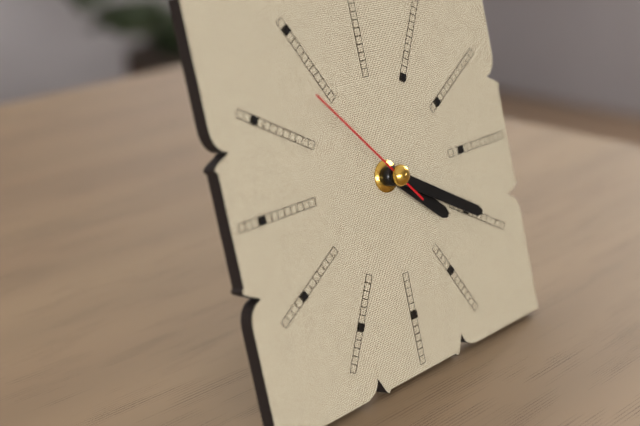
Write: 4:20:53
